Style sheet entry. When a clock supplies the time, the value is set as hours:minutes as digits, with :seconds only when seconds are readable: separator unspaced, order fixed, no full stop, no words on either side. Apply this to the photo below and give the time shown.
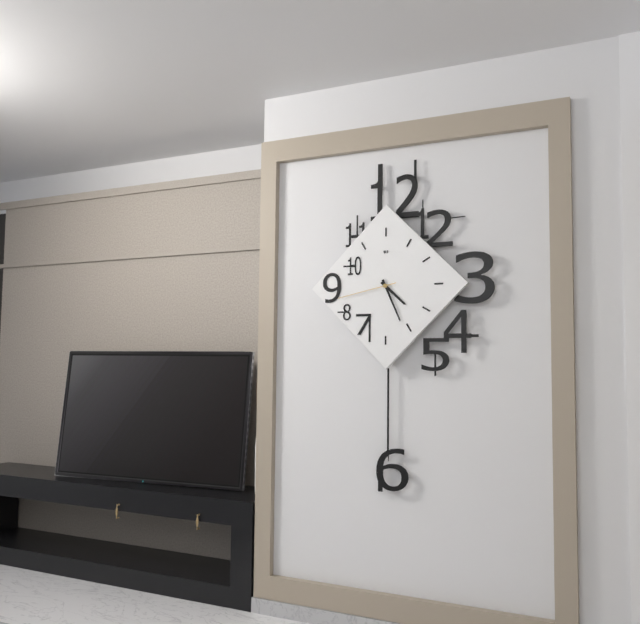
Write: 4:26:43
